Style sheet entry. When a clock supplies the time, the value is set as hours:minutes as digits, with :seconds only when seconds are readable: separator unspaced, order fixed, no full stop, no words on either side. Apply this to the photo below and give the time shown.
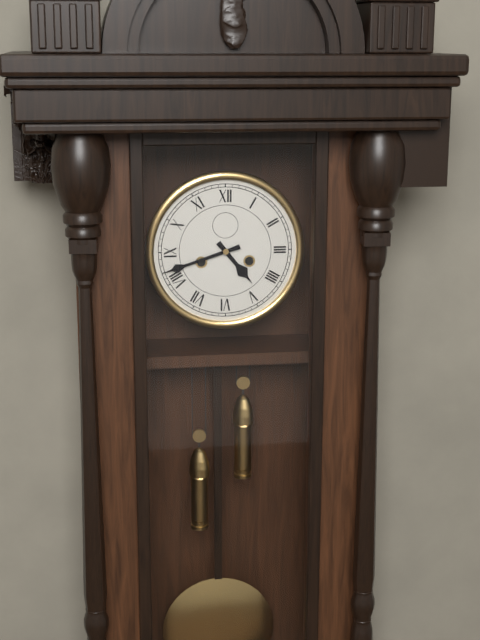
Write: 4:42
